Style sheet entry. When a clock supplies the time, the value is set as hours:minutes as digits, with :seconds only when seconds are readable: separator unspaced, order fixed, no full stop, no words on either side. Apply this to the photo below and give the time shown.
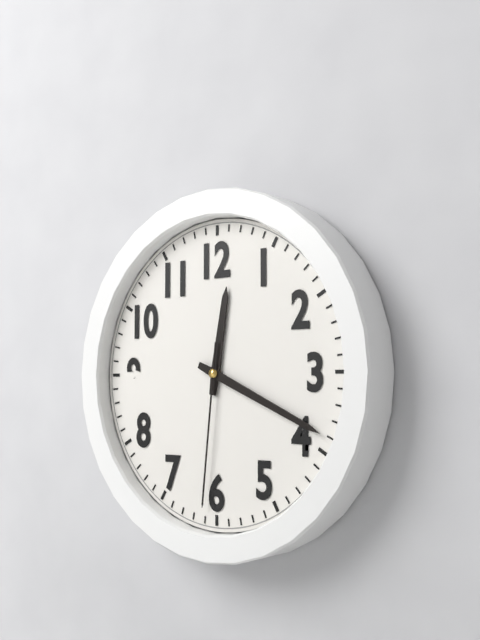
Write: 12:19:31
